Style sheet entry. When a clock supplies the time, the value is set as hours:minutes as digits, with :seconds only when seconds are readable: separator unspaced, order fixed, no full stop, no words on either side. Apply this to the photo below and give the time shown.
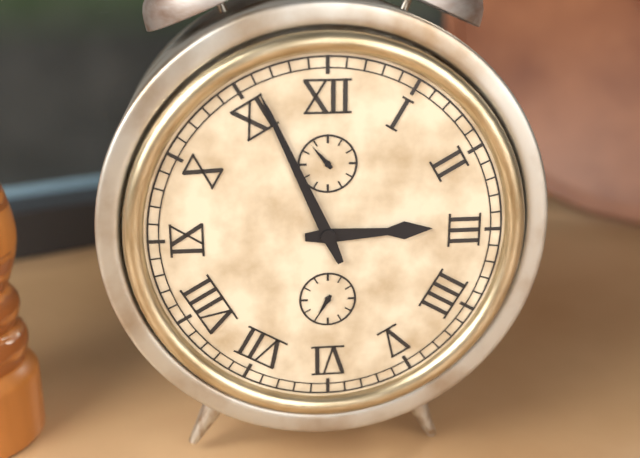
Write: 2:56
